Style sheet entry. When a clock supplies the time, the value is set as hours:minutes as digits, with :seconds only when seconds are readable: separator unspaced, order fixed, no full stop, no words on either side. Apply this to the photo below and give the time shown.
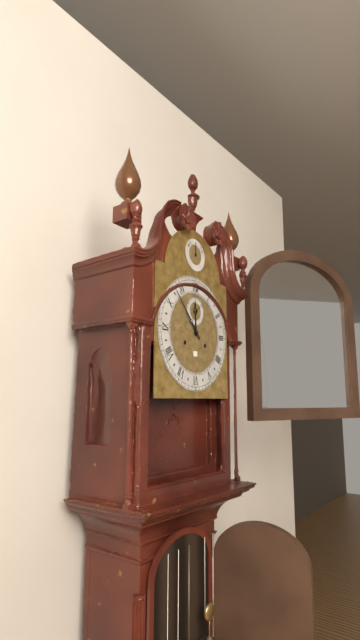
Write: 11:53
